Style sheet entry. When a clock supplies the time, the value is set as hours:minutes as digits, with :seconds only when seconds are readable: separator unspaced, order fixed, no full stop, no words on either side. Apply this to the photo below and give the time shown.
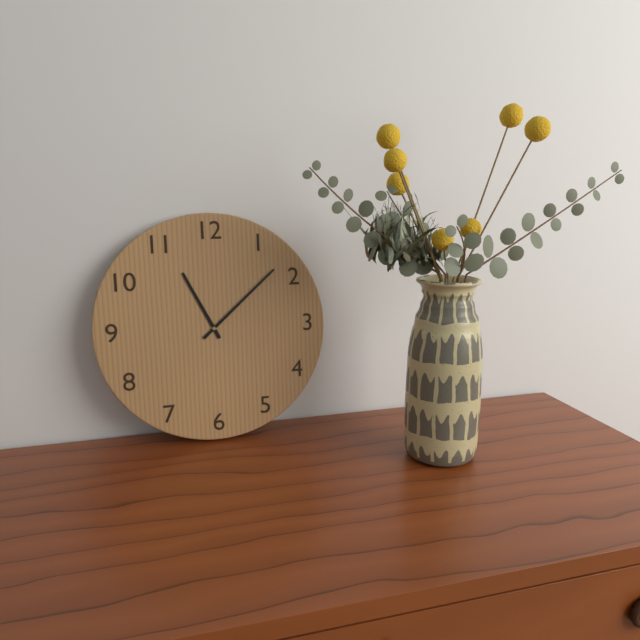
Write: 11:08
